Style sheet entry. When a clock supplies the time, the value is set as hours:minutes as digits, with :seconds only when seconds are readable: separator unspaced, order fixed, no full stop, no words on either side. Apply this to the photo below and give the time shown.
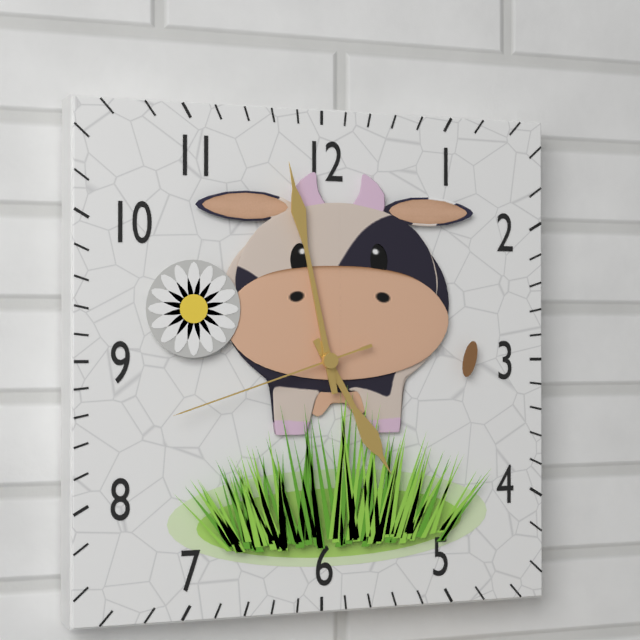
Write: 4:58:42
